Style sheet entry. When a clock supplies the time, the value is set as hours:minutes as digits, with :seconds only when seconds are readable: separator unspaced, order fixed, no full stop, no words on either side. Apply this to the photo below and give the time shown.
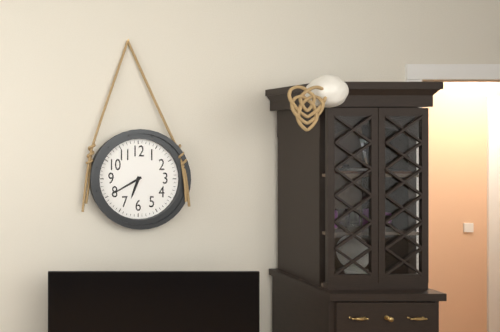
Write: 6:40
